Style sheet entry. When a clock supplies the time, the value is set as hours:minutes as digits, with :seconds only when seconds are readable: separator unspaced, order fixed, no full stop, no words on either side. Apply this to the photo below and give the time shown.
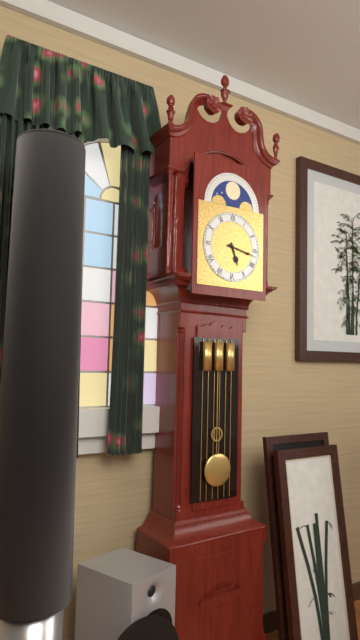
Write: 5:17
